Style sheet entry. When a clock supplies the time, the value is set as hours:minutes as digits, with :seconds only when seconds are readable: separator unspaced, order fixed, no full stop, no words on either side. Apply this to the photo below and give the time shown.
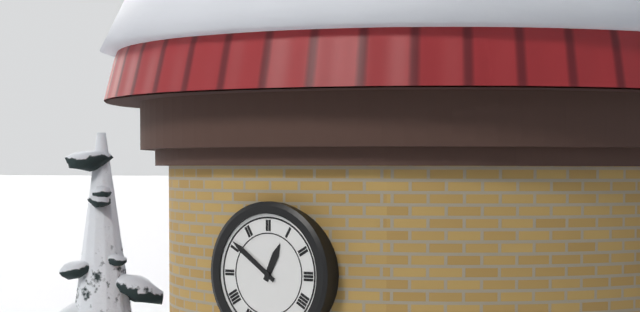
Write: 12:51
